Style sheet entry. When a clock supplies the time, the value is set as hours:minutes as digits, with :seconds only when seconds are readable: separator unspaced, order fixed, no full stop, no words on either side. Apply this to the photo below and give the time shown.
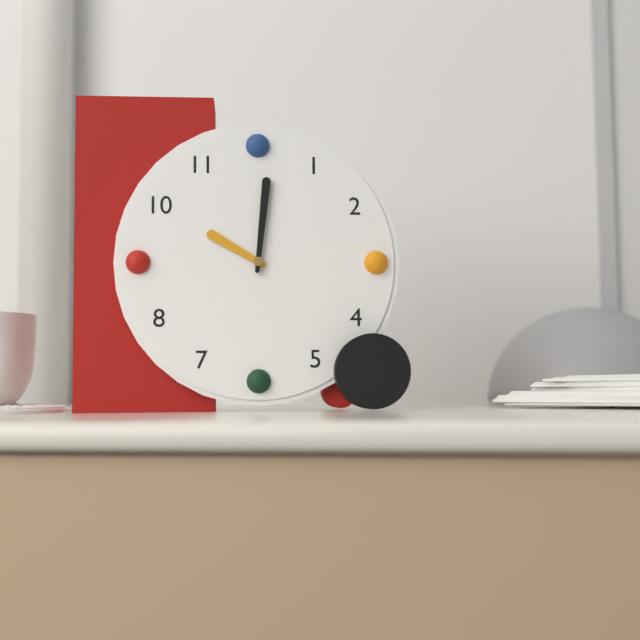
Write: 10:01
